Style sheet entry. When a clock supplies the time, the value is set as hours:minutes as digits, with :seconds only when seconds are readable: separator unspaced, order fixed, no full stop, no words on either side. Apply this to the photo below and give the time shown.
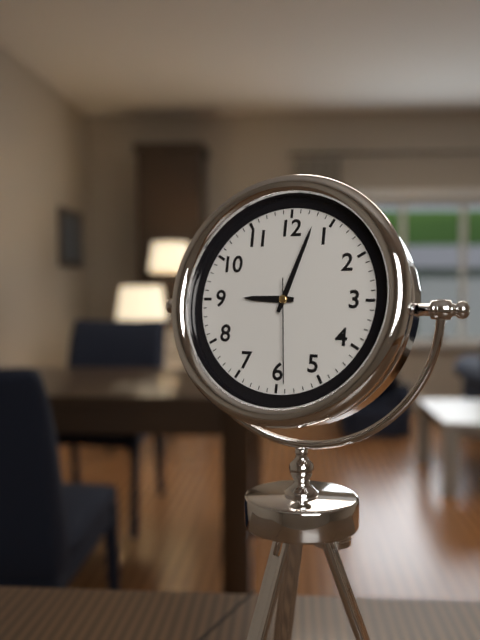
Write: 9:03:29
